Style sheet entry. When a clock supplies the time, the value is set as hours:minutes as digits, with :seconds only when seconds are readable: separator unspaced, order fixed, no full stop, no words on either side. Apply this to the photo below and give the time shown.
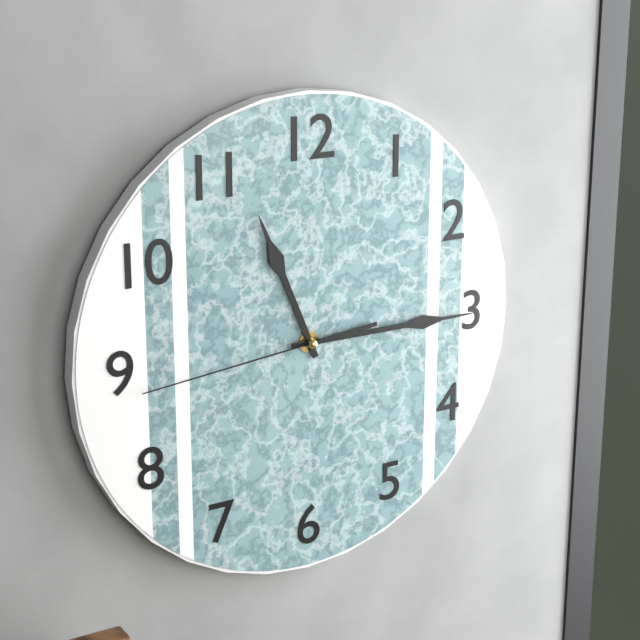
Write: 11:15:44
